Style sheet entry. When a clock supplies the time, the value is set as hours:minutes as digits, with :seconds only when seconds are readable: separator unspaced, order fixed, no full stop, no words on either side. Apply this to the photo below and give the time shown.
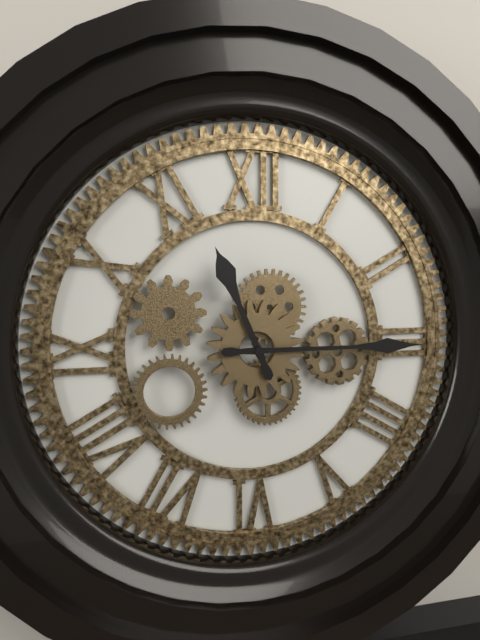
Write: 11:15
